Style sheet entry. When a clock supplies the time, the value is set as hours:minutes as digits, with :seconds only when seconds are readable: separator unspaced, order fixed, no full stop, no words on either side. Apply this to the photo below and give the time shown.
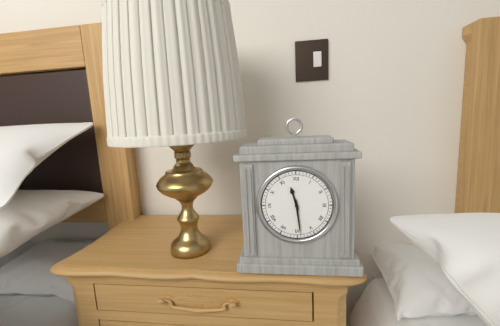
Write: 11:29
